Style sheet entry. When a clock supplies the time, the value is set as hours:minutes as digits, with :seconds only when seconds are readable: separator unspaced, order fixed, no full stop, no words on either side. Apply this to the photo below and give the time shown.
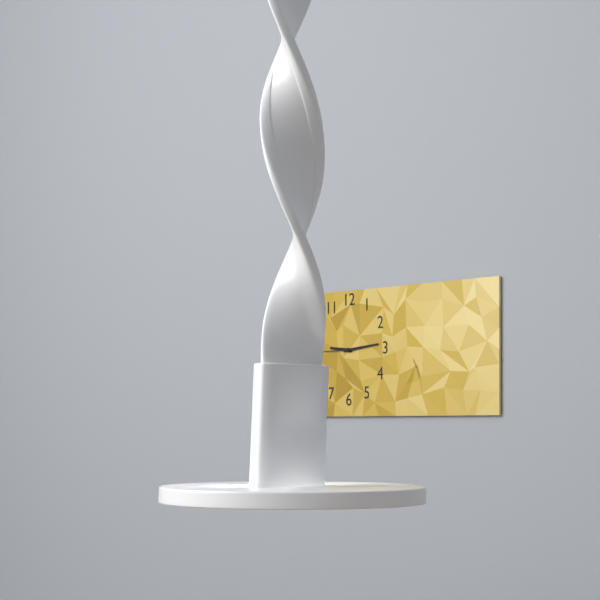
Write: 9:14
